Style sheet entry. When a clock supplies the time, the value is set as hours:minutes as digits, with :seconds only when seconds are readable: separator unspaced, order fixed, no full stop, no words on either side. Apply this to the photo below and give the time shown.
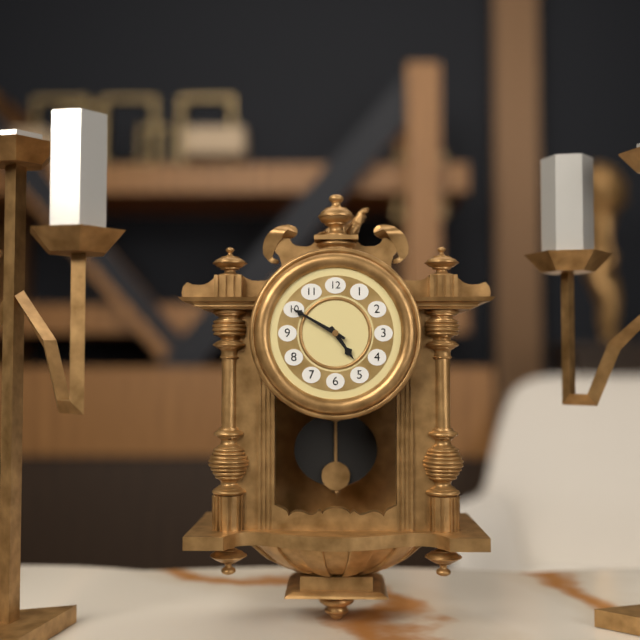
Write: 4:50
